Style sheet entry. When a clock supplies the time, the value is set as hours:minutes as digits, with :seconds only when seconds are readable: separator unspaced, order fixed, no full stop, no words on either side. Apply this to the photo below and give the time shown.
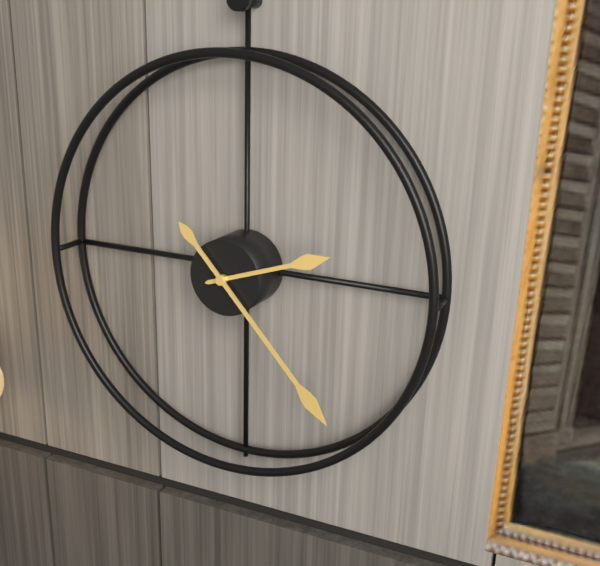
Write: 2:23
